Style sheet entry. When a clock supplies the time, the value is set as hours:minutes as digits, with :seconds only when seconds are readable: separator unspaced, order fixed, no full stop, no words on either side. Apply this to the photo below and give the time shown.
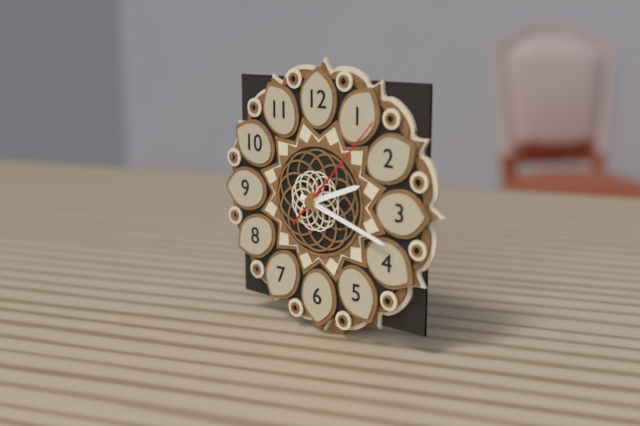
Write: 2:18:07
